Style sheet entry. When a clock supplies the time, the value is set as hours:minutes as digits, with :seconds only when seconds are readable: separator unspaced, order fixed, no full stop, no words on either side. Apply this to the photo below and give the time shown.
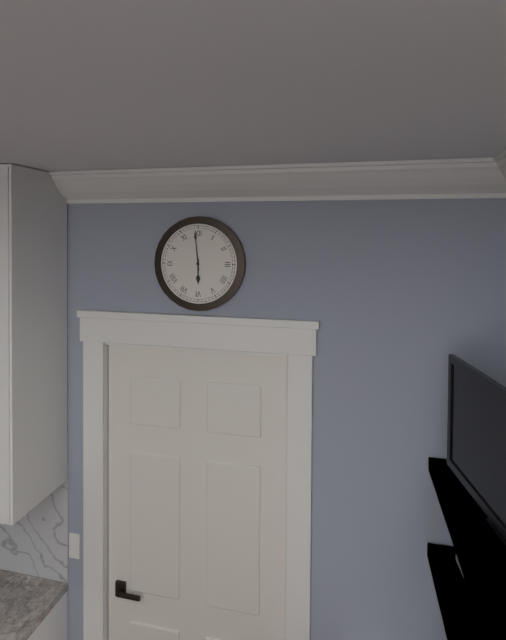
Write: 5:59
